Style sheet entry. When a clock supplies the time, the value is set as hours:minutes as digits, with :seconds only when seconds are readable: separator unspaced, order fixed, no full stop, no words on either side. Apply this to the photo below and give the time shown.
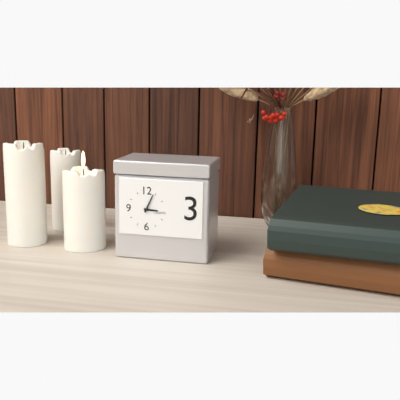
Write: 3:04
